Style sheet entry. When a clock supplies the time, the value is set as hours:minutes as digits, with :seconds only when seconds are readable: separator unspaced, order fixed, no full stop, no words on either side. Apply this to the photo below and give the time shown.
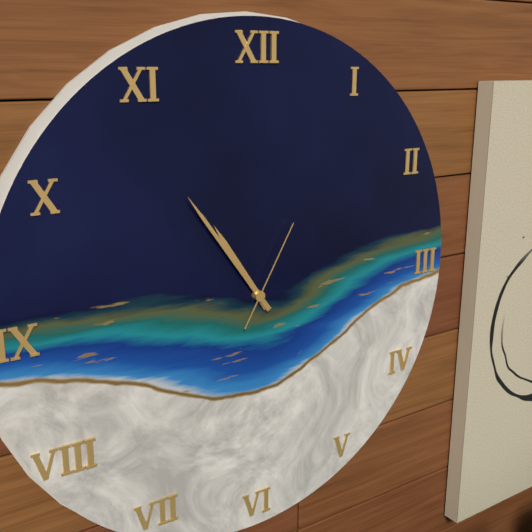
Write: 10:54:05
